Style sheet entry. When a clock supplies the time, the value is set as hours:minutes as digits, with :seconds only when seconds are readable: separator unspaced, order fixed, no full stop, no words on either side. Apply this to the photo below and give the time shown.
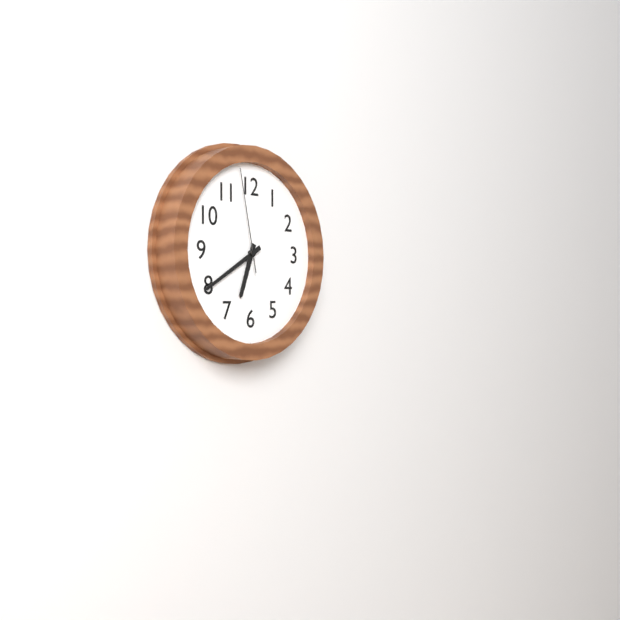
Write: 6:40:58
